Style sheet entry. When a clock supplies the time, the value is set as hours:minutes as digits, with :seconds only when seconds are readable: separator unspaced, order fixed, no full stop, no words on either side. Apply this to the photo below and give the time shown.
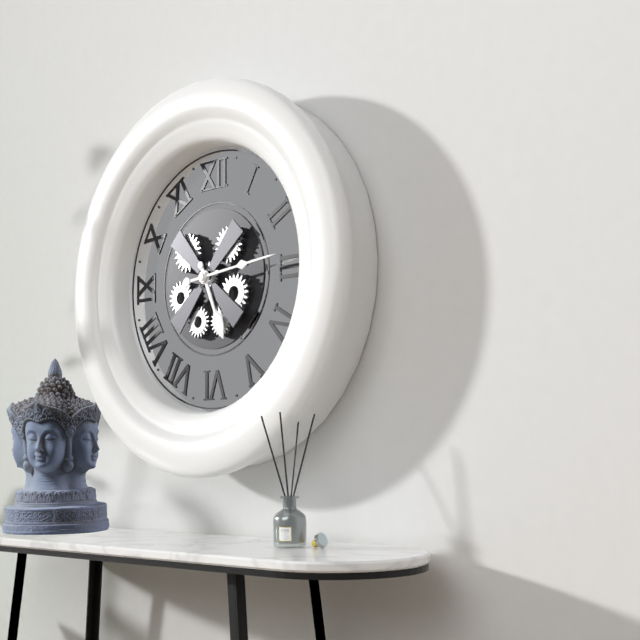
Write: 5:14
